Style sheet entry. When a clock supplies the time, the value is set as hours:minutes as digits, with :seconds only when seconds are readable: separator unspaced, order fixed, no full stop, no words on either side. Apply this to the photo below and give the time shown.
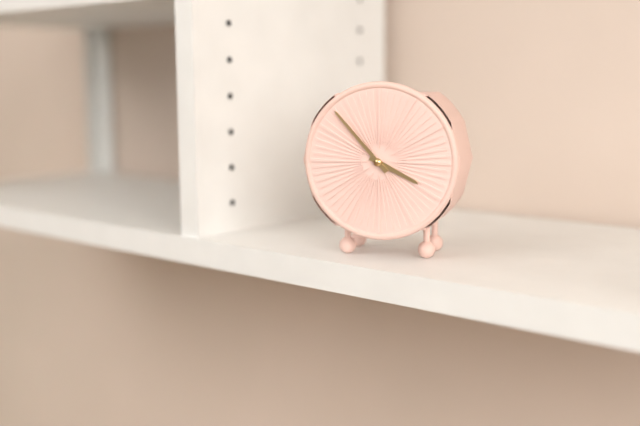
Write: 3:53
